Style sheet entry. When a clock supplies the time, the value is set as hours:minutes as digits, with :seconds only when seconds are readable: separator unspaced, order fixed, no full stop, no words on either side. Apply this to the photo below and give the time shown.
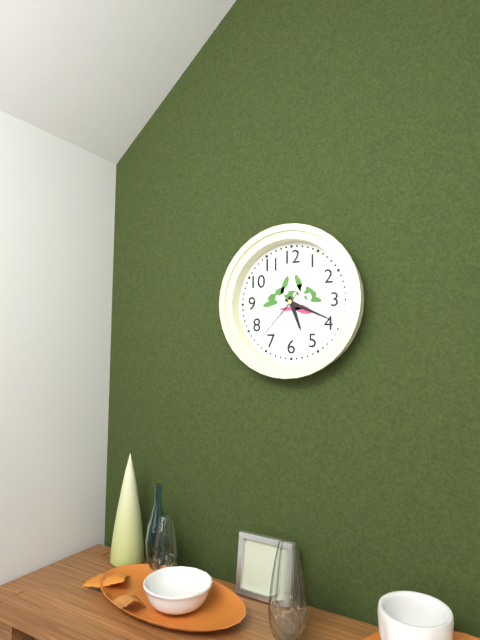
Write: 5:19:37
